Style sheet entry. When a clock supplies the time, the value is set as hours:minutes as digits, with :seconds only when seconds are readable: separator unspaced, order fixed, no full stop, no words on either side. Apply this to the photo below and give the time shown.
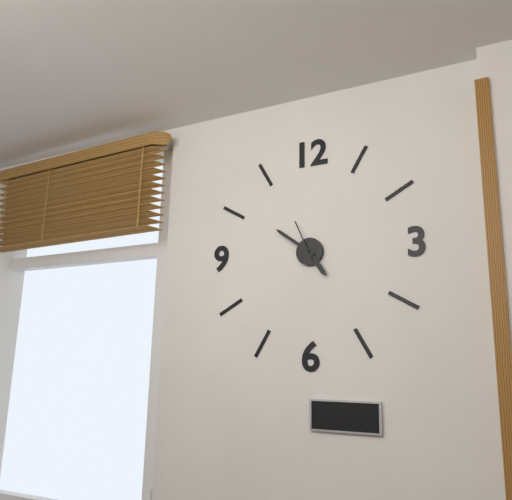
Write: 4:51
